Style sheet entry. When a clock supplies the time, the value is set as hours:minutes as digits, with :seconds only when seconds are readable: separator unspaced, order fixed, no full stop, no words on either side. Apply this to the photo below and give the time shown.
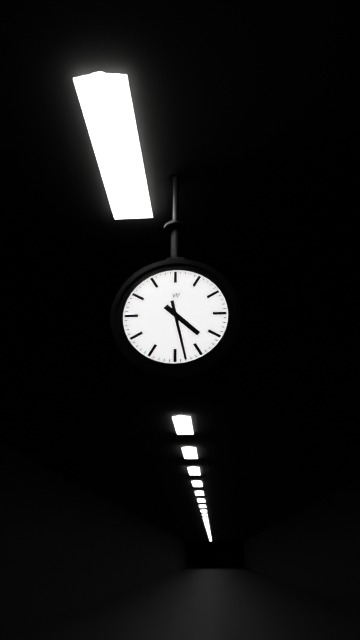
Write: 4:28
